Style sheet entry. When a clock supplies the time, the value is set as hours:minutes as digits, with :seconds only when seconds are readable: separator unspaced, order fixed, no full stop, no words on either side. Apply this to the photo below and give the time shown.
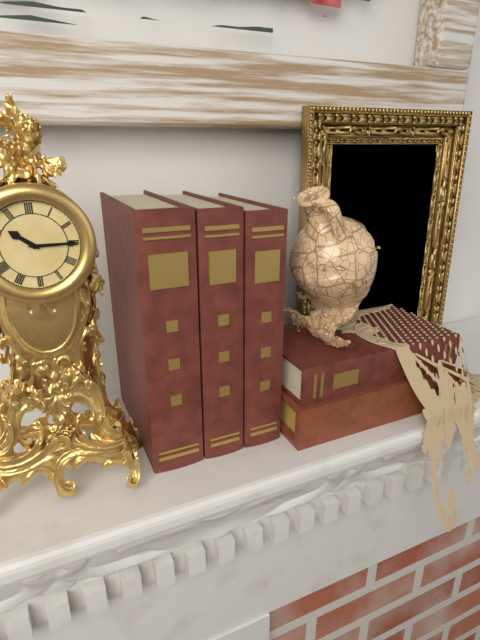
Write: 10:15
